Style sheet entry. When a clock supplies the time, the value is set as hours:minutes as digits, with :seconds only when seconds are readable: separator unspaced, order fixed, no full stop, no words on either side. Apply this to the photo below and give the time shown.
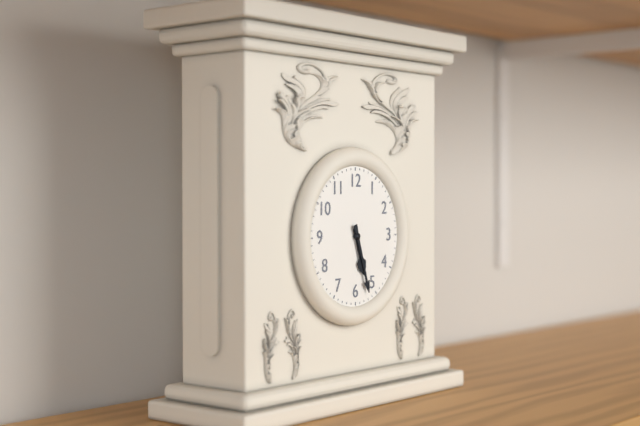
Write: 5:27
